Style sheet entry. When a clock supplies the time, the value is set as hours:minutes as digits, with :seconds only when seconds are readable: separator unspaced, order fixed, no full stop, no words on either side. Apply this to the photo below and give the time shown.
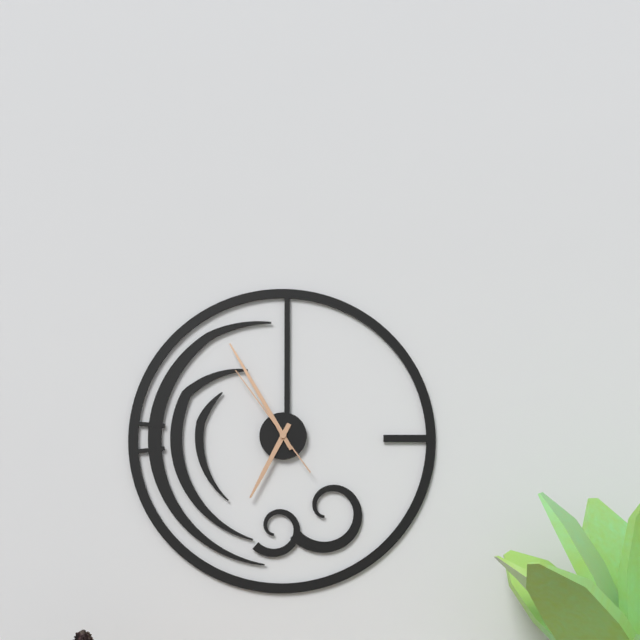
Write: 6:55:54
